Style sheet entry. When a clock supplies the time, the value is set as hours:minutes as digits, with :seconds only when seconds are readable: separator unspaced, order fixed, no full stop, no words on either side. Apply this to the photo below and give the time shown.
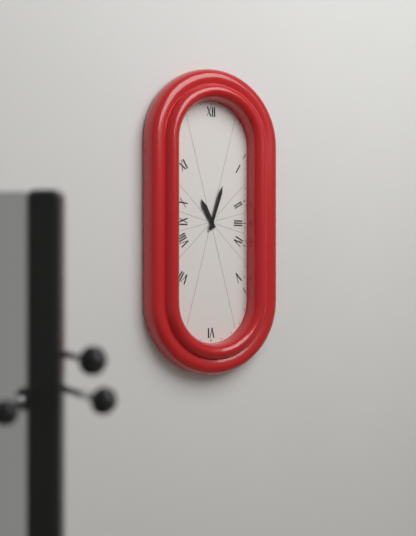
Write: 11:03
